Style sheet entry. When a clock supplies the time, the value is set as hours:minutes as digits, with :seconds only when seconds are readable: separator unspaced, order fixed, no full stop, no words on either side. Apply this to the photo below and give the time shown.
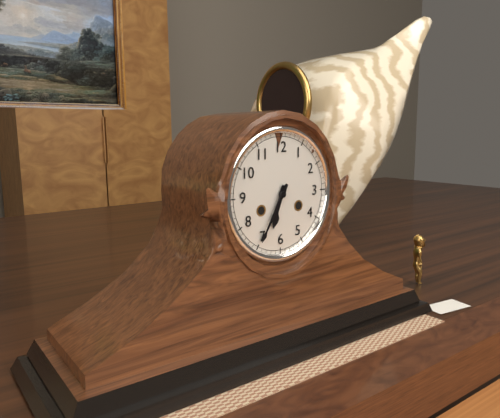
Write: 6:35
